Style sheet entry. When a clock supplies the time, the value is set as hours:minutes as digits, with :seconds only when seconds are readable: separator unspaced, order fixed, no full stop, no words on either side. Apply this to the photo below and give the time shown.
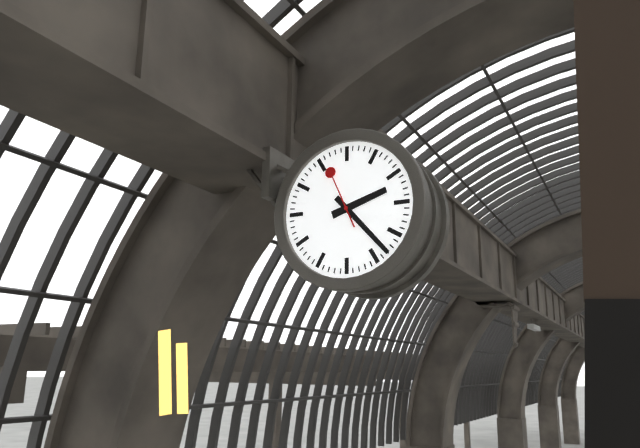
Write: 2:23:56
